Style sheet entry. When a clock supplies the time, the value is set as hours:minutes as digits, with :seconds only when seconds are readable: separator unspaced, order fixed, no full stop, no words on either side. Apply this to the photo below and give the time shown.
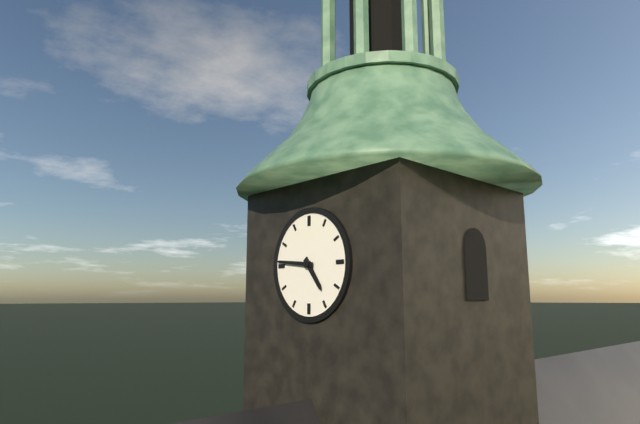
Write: 4:46
